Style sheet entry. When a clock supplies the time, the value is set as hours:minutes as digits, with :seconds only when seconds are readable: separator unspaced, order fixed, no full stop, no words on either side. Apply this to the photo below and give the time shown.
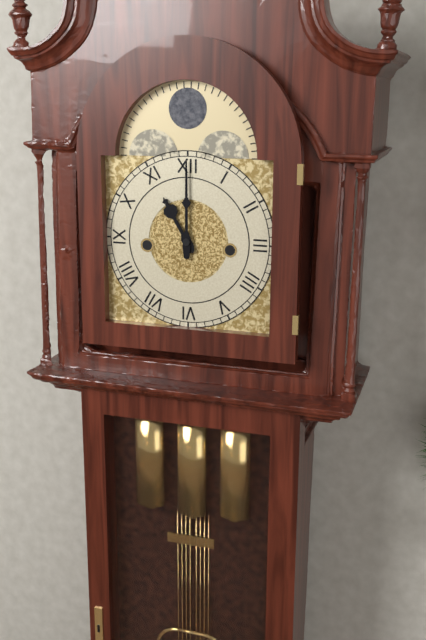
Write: 11:00
